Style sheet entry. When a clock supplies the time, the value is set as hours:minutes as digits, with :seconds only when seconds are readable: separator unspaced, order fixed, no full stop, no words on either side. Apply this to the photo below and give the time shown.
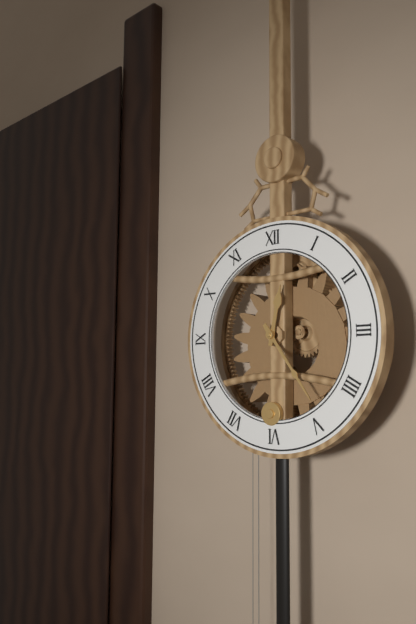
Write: 12:24
